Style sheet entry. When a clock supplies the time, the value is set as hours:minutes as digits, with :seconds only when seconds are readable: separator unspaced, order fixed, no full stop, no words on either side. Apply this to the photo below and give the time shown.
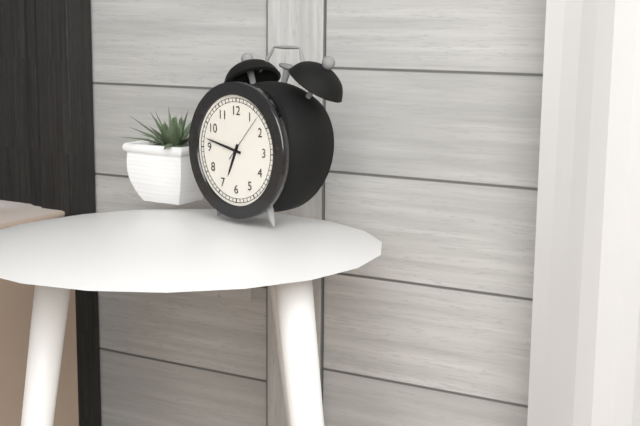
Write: 6:47
